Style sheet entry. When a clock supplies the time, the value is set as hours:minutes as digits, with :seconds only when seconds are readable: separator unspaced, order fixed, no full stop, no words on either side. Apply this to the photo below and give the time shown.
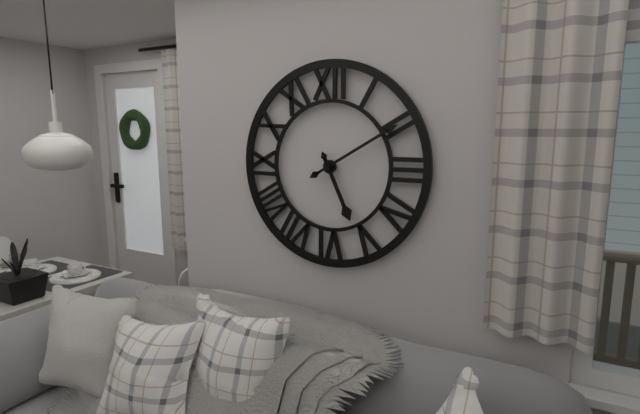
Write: 5:10
